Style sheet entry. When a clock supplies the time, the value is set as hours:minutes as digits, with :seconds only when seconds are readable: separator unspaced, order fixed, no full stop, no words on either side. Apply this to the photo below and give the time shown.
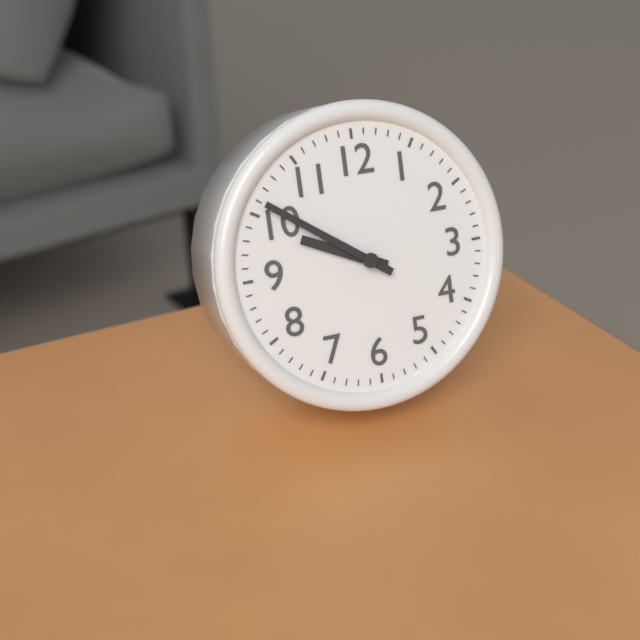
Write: 9:51
